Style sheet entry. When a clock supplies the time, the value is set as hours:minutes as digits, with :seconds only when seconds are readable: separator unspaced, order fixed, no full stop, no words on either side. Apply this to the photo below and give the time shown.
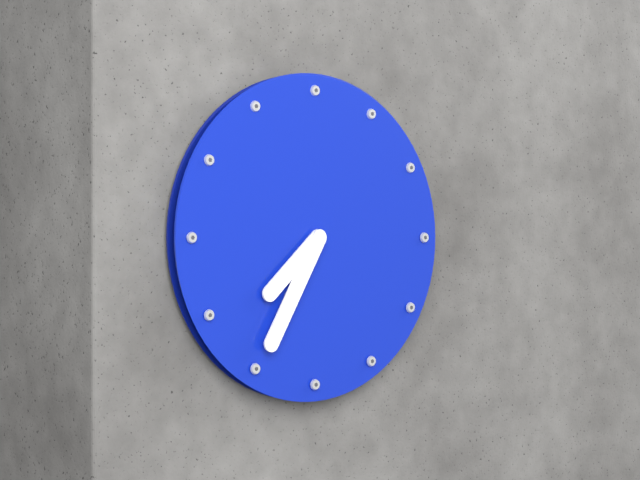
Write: 7:35
